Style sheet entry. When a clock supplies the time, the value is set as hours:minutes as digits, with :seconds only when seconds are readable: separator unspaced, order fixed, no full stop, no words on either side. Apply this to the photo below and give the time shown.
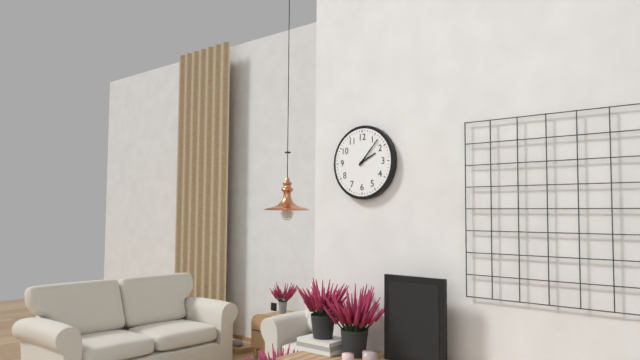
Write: 2:07
